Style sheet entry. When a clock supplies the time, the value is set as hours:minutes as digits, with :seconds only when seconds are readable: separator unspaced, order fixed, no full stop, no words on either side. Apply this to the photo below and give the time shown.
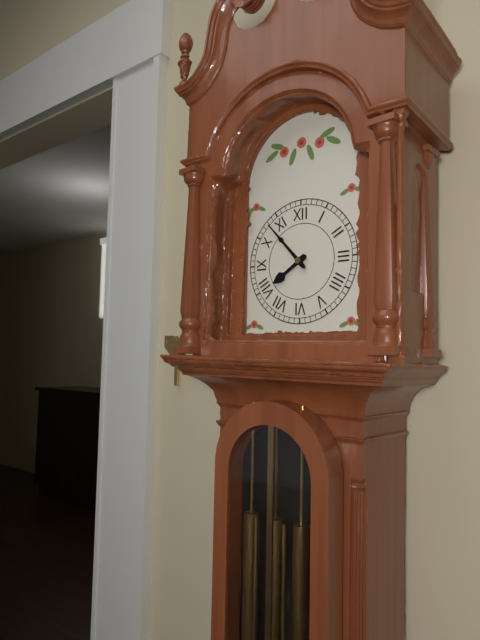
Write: 7:53
